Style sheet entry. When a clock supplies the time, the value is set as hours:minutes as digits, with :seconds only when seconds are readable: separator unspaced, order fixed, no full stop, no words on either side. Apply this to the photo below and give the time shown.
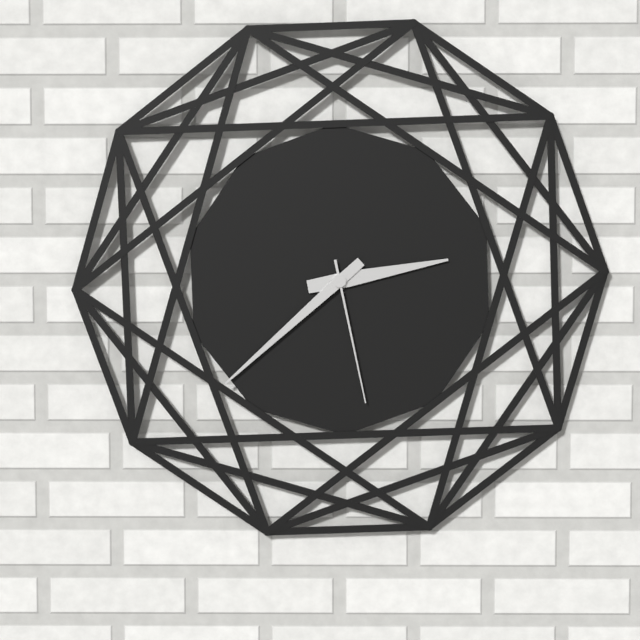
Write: 2:38:28
